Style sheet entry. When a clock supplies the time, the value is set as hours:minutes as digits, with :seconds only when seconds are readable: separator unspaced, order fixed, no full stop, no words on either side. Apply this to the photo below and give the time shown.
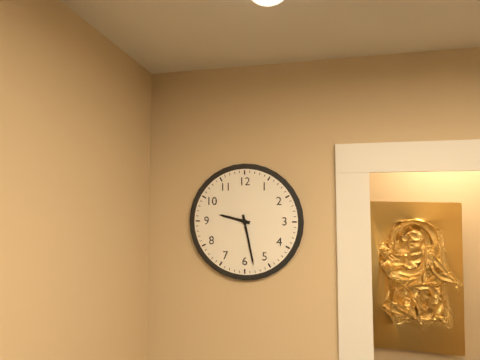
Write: 9:28
